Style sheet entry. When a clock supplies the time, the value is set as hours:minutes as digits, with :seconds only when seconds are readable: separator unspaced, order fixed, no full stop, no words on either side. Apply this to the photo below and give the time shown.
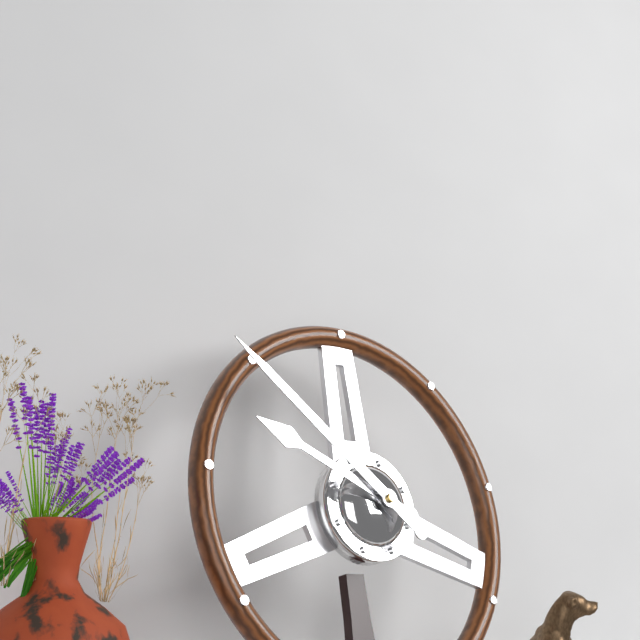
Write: 9:52
